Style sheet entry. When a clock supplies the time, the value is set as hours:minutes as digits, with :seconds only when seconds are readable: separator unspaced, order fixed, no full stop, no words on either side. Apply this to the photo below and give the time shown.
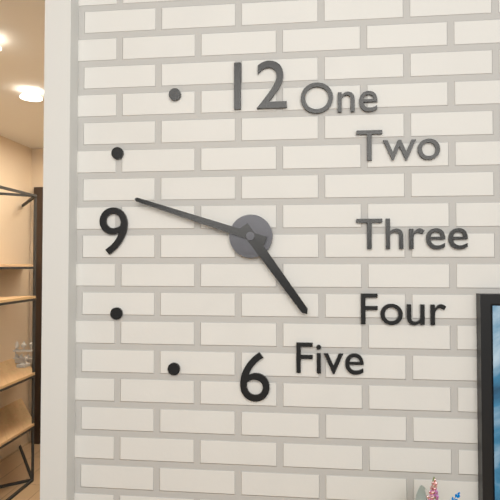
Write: 4:48
